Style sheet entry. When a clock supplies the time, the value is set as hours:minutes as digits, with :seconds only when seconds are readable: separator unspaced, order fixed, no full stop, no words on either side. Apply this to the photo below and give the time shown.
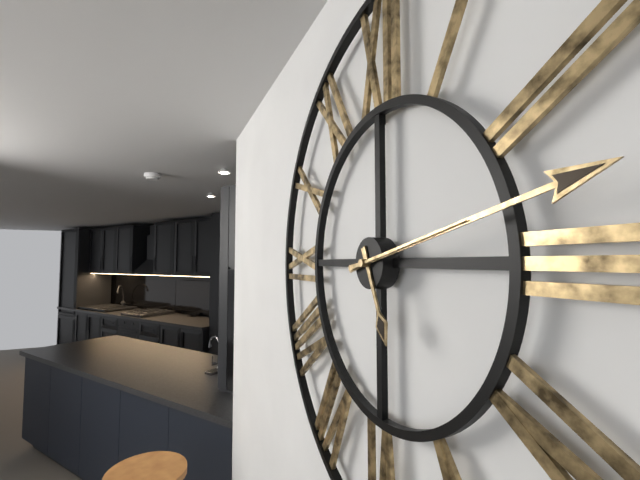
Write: 5:13:13
